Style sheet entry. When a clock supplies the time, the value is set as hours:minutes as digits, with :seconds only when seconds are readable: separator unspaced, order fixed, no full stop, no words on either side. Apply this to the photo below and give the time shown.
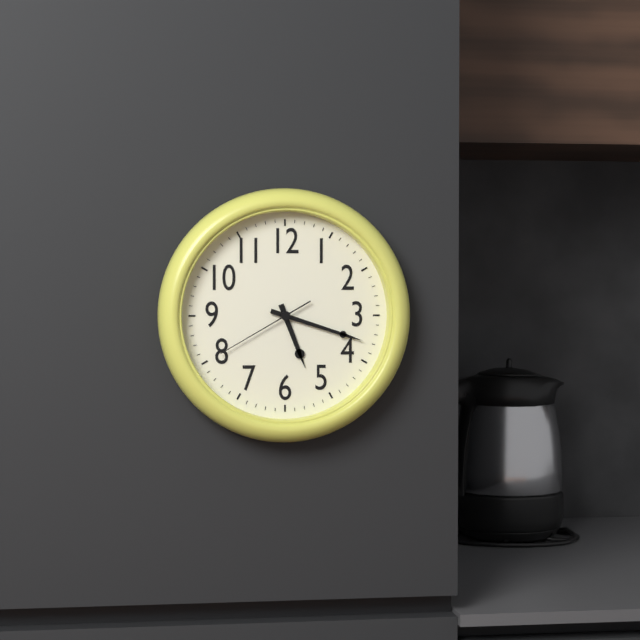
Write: 5:18:40
